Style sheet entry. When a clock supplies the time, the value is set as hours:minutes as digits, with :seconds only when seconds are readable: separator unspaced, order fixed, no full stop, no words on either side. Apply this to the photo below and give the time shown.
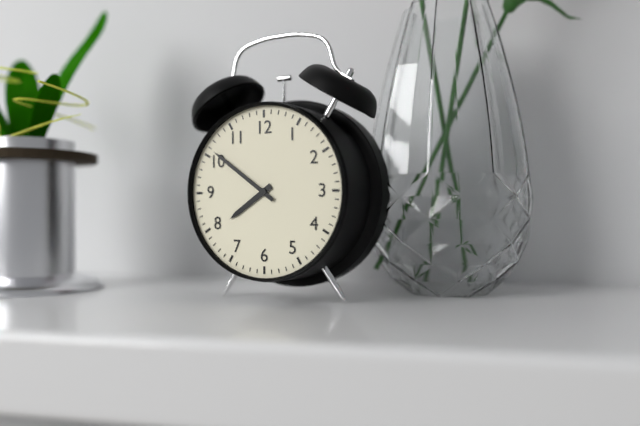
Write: 7:51
